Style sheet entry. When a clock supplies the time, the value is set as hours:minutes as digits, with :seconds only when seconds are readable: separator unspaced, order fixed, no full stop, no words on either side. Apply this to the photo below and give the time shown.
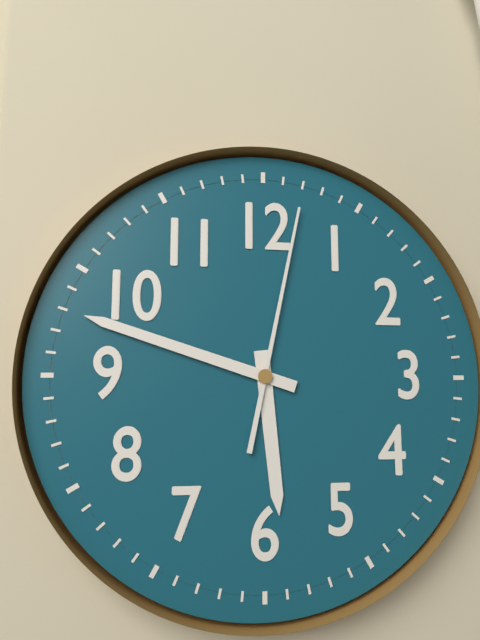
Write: 5:48:02
